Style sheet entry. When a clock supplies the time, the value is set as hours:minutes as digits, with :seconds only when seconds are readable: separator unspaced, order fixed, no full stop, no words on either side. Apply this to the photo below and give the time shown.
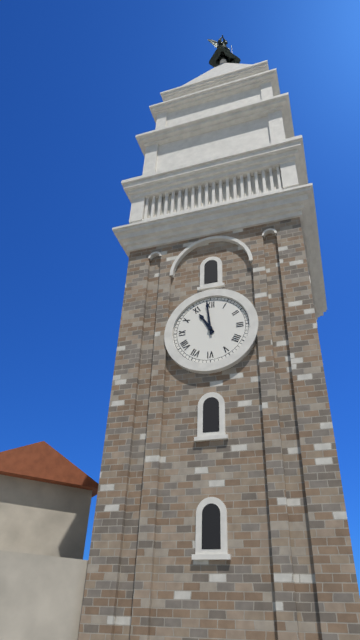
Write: 10:59
